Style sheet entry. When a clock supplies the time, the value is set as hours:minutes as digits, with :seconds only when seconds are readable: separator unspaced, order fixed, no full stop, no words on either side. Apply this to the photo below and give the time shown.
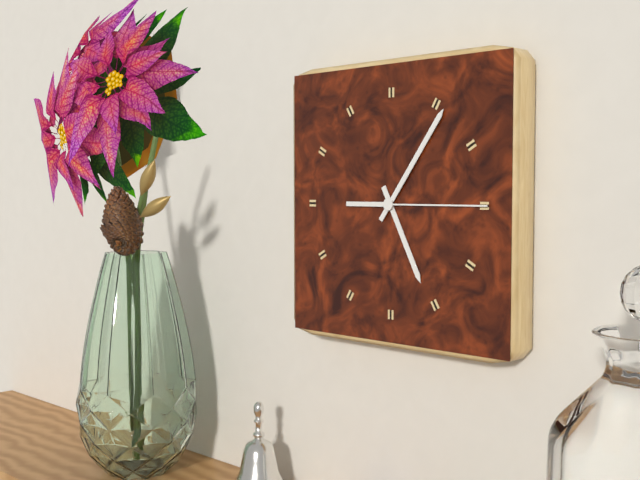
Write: 5:06:15
